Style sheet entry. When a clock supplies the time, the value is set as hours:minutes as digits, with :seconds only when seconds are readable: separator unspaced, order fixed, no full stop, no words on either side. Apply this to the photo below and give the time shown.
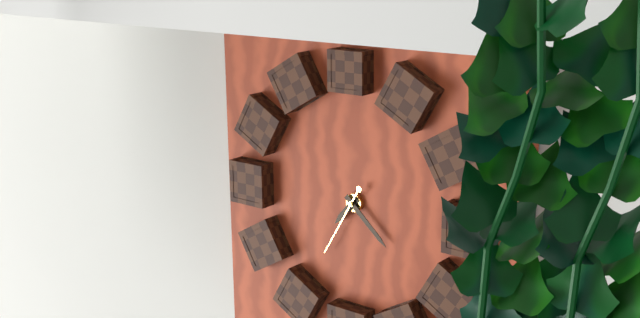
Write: 7:22:35
